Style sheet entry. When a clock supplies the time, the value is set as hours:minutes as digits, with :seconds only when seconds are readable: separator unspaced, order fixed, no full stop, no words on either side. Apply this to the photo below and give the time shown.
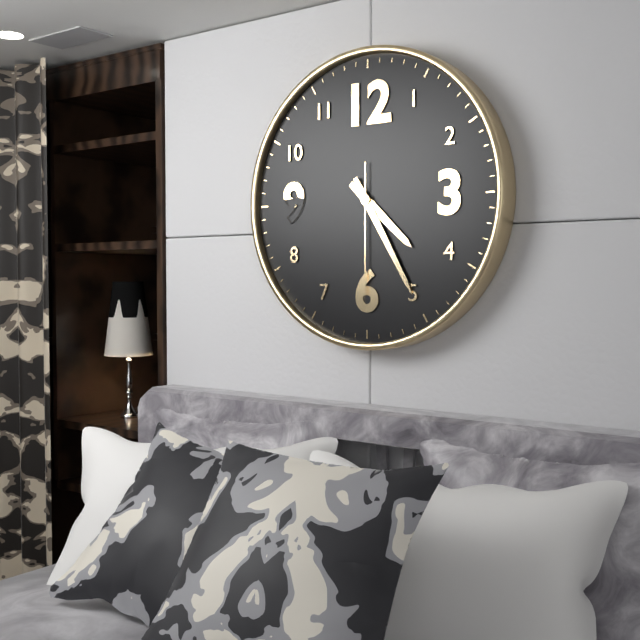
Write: 4:25:30
